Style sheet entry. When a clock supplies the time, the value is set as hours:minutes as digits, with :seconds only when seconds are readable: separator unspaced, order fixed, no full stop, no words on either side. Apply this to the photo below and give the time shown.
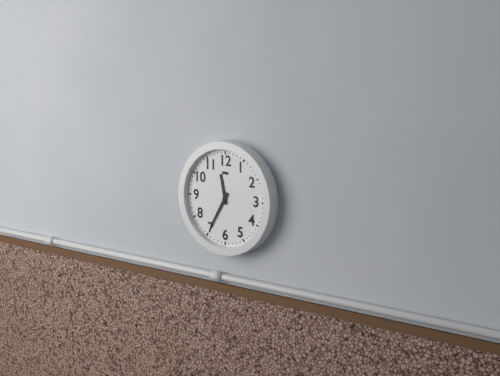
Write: 11:35
